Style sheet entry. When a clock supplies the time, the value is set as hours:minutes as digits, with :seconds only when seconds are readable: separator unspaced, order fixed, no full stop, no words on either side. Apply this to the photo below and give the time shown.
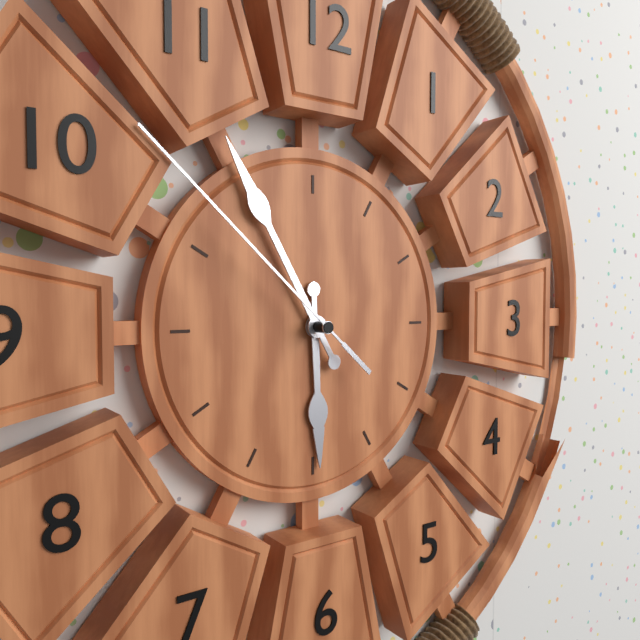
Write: 5:55:52
